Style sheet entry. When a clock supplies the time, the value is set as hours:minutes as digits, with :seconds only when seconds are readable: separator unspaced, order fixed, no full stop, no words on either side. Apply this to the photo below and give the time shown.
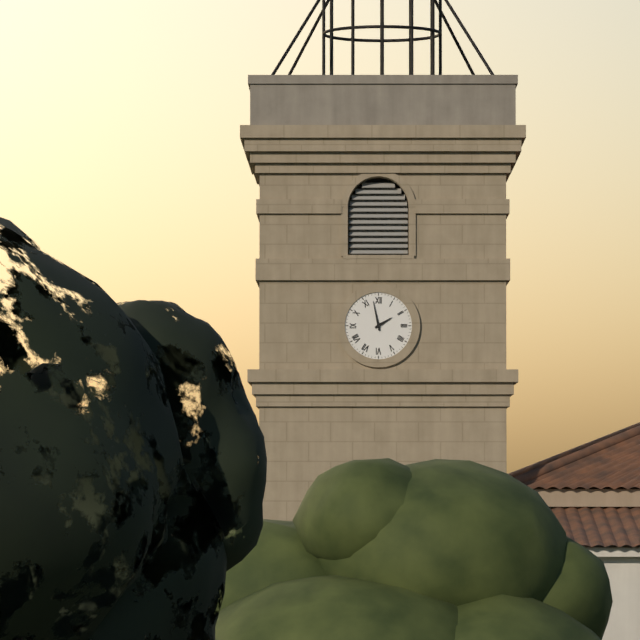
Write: 1:58
